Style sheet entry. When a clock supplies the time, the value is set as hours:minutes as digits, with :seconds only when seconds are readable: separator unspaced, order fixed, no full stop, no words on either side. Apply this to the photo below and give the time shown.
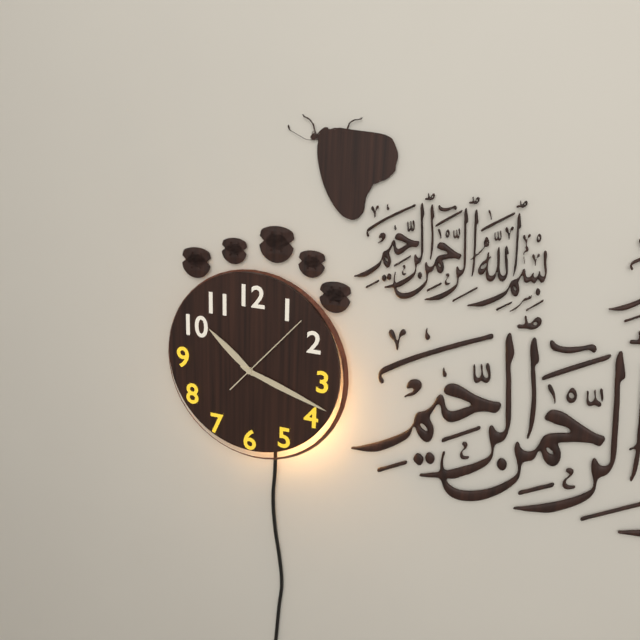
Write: 10:18:07
